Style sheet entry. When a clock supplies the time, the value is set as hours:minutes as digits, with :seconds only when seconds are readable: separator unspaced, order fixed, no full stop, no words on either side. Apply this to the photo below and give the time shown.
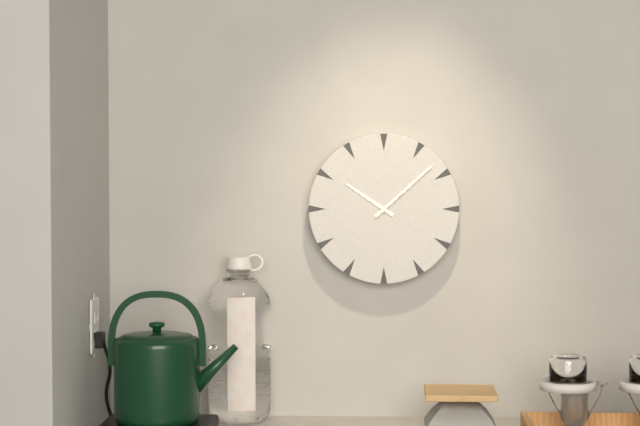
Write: 10:08
